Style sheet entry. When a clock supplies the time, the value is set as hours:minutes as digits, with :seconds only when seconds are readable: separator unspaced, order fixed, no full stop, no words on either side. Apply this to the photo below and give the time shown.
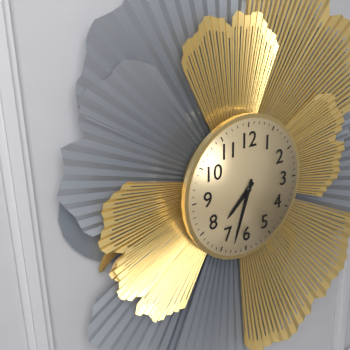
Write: 7:33
